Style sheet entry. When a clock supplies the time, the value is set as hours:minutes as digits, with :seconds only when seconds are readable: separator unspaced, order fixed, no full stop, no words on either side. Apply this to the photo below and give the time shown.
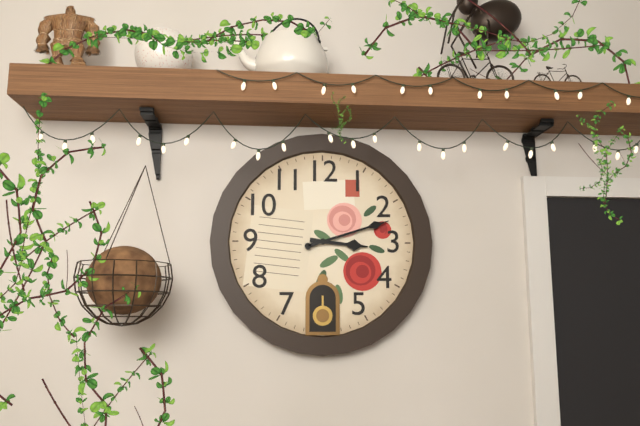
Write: 3:12
